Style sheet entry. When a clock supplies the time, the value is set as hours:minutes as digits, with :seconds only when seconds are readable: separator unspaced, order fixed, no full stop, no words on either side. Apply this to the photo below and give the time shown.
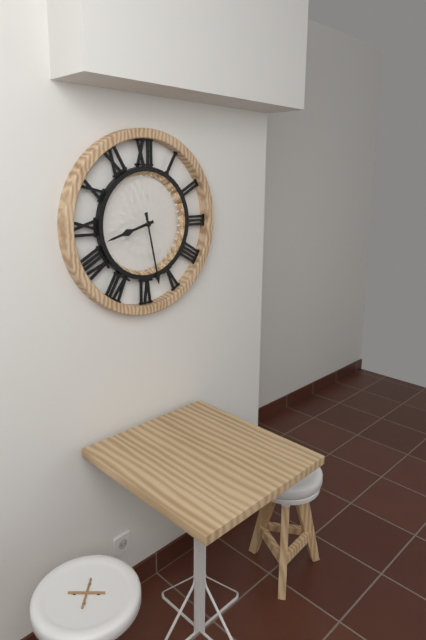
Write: 8:28
